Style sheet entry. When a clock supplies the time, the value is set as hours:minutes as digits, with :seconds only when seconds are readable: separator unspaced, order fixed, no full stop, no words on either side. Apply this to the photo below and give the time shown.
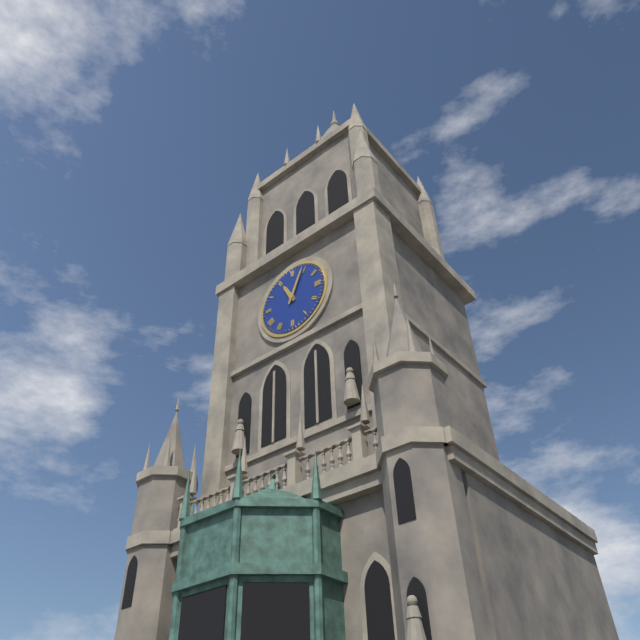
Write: 11:04
